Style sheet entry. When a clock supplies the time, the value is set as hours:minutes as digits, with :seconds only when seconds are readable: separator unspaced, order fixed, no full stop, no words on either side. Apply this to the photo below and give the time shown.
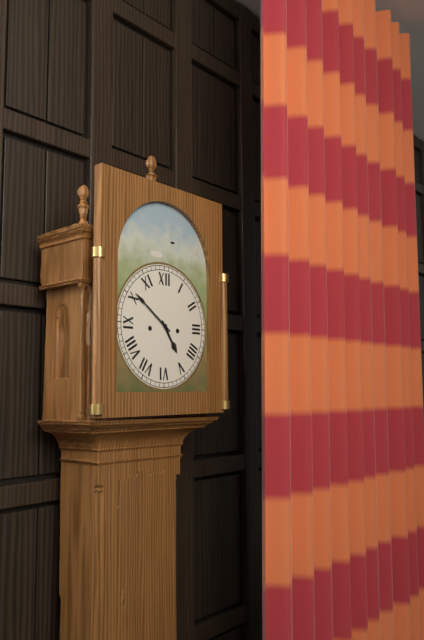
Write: 4:51
